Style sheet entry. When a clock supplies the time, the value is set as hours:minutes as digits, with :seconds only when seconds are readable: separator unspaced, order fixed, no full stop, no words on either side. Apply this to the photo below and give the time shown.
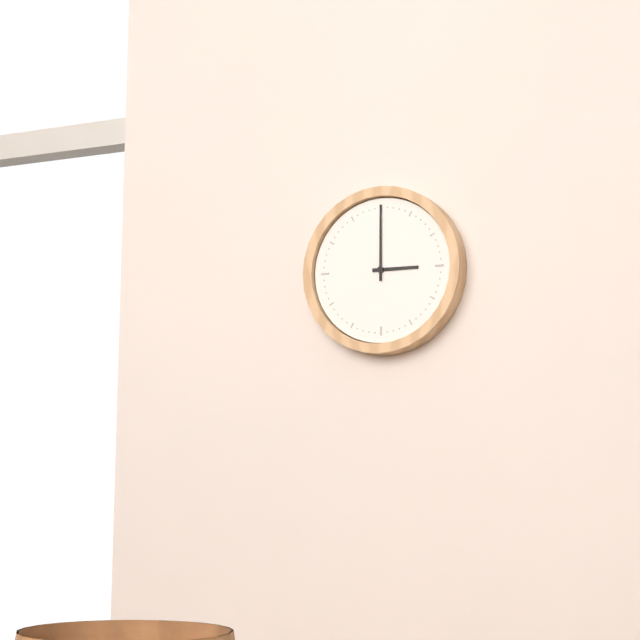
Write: 3:00
